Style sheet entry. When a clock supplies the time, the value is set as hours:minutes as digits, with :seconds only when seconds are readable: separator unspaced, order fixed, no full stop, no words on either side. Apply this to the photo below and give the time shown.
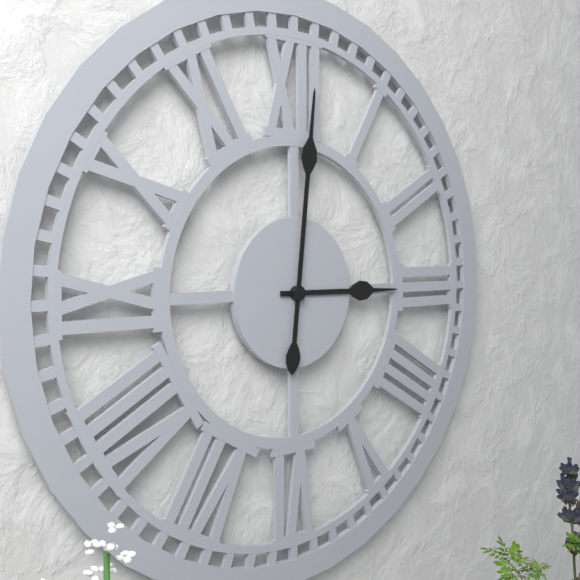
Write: 3:01
